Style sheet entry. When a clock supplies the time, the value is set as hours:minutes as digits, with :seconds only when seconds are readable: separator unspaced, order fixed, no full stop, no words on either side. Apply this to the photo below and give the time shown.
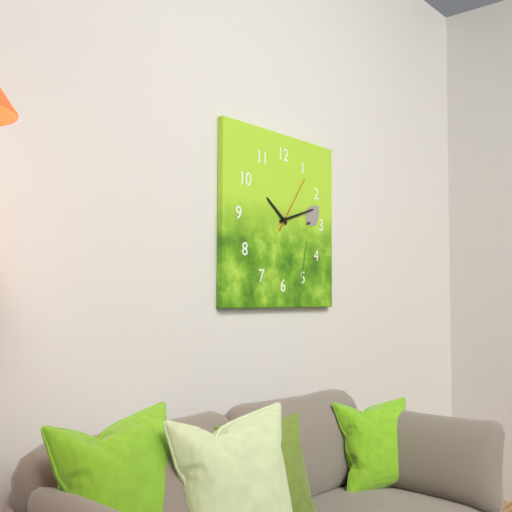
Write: 10:12:06
